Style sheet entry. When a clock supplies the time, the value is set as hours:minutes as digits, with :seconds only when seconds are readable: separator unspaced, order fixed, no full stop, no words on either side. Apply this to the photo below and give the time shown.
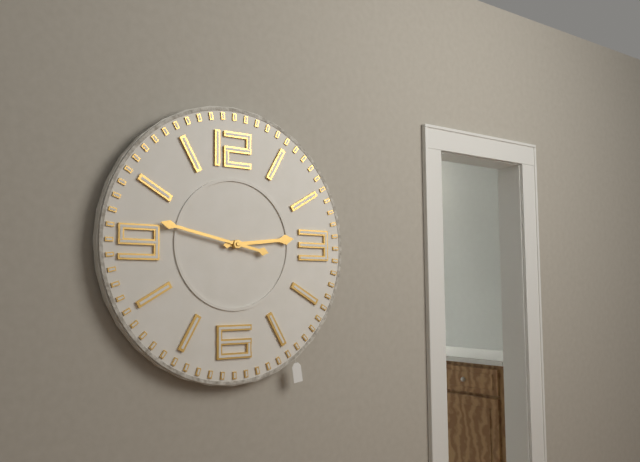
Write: 2:47
